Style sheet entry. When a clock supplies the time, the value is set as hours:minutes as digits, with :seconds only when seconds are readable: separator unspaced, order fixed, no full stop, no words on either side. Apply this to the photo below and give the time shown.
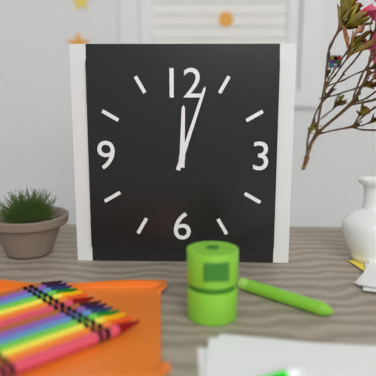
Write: 12:03
